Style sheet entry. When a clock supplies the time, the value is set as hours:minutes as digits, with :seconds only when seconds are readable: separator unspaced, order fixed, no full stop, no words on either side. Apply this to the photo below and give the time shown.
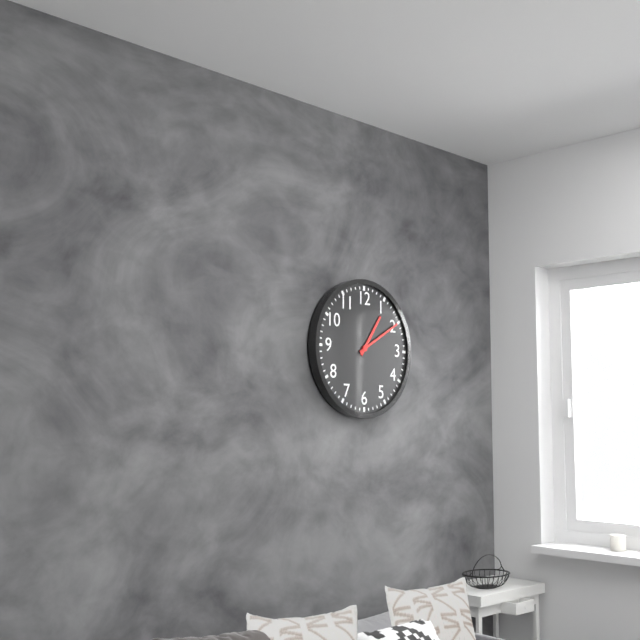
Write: 1:10
